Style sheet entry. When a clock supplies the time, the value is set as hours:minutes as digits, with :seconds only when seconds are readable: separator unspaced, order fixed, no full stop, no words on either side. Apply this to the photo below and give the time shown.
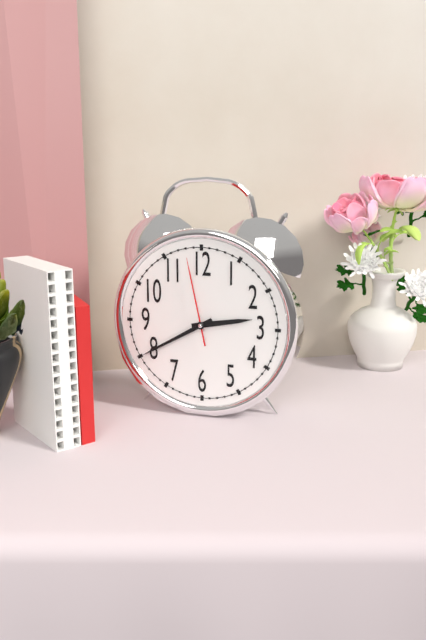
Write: 2:40:58
